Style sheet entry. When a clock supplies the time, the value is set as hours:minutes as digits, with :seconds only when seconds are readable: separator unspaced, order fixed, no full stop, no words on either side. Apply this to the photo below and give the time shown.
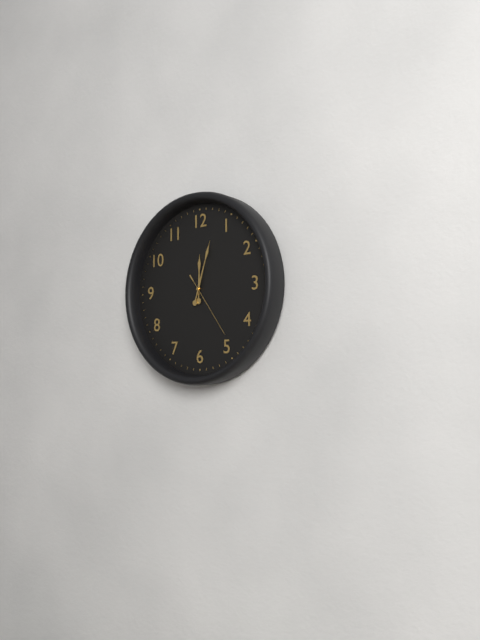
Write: 12:03:24
